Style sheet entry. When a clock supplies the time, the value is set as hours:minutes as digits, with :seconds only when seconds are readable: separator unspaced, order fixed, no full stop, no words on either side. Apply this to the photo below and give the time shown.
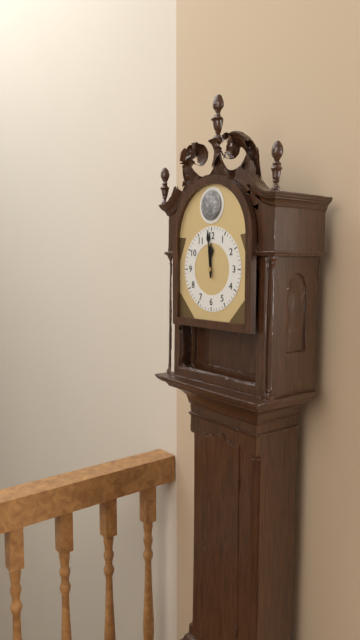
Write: 11:59
